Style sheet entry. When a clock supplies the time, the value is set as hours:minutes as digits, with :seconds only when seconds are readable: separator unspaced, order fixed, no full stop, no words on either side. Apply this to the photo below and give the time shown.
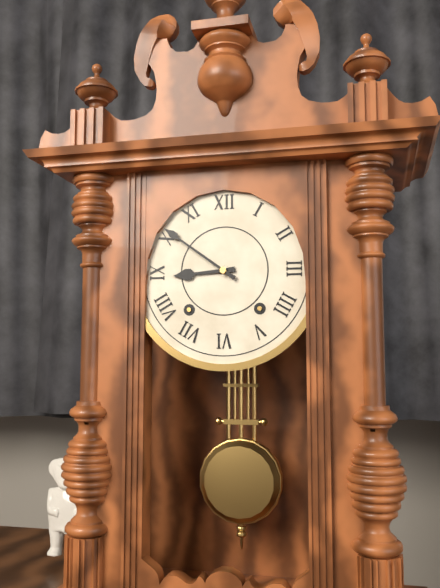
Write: 8:51
